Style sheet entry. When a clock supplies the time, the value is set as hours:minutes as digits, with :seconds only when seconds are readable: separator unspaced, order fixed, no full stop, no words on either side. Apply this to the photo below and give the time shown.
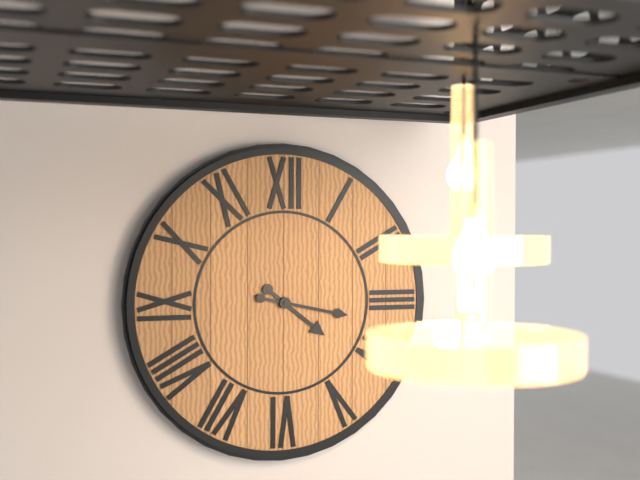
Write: 4:17
